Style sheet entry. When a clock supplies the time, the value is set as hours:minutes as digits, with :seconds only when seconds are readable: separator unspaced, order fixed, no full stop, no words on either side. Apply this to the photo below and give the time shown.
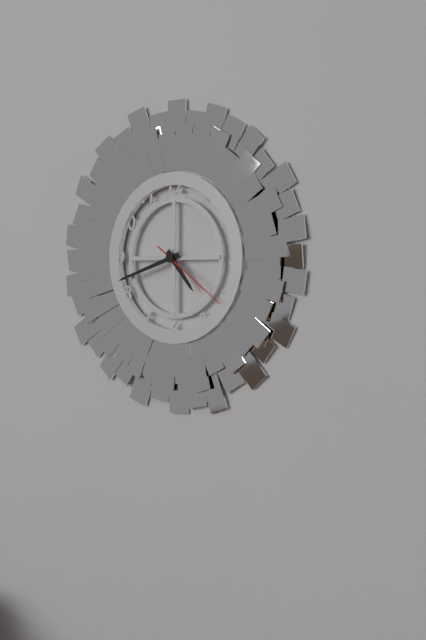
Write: 4:42:21
